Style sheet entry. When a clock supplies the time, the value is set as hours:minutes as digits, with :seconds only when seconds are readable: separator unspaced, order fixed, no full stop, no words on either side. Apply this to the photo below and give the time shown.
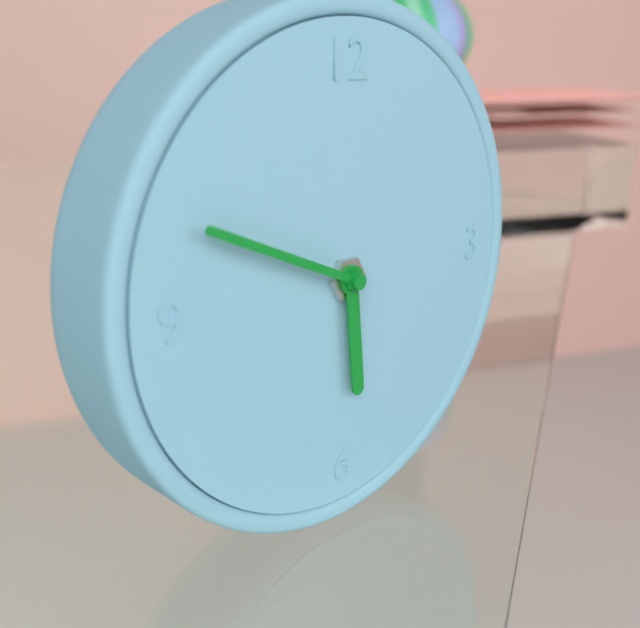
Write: 5:49
